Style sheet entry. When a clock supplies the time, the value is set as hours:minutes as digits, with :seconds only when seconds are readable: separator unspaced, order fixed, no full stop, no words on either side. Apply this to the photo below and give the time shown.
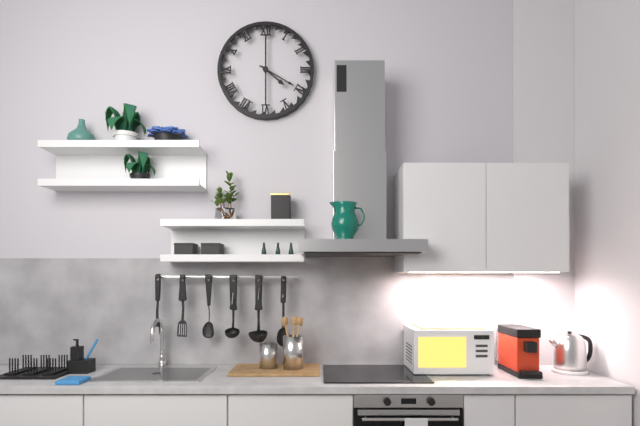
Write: 4:20
